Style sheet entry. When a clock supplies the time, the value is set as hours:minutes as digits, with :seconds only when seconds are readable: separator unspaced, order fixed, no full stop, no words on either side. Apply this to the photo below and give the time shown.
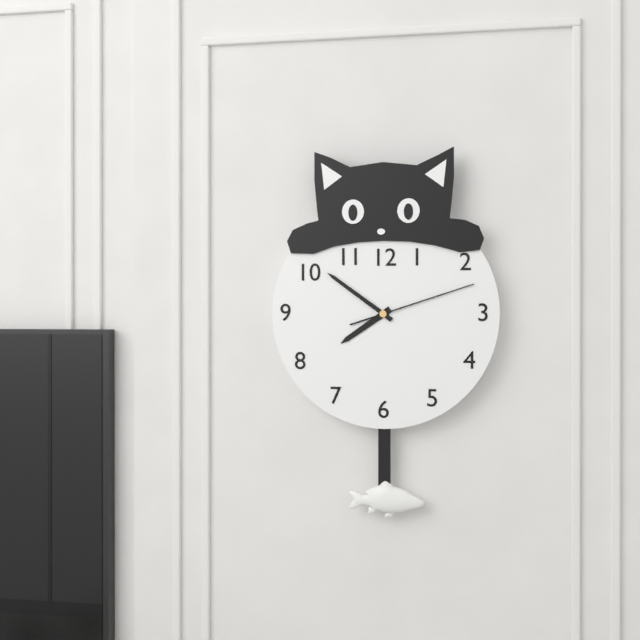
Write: 7:51:12
